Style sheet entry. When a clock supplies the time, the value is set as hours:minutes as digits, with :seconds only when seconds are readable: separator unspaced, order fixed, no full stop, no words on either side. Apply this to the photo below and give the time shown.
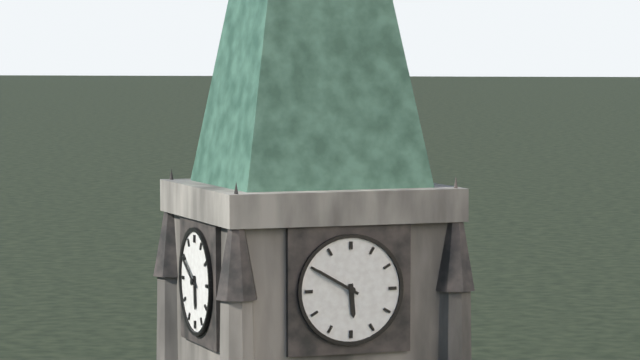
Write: 5:50
